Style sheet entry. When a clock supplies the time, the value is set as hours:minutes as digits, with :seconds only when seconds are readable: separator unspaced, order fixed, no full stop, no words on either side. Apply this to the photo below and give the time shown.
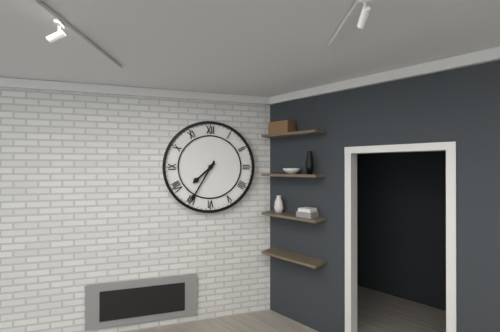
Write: 7:35
